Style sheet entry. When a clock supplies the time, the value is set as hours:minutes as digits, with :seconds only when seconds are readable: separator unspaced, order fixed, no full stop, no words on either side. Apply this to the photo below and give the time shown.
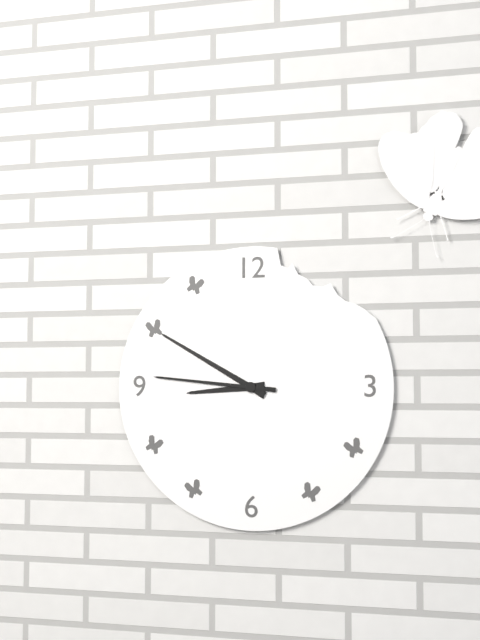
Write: 8:50:46
